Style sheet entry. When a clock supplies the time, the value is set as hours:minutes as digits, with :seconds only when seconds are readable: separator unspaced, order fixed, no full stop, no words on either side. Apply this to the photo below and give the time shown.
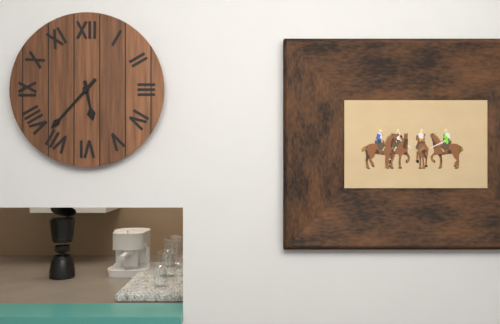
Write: 5:37
